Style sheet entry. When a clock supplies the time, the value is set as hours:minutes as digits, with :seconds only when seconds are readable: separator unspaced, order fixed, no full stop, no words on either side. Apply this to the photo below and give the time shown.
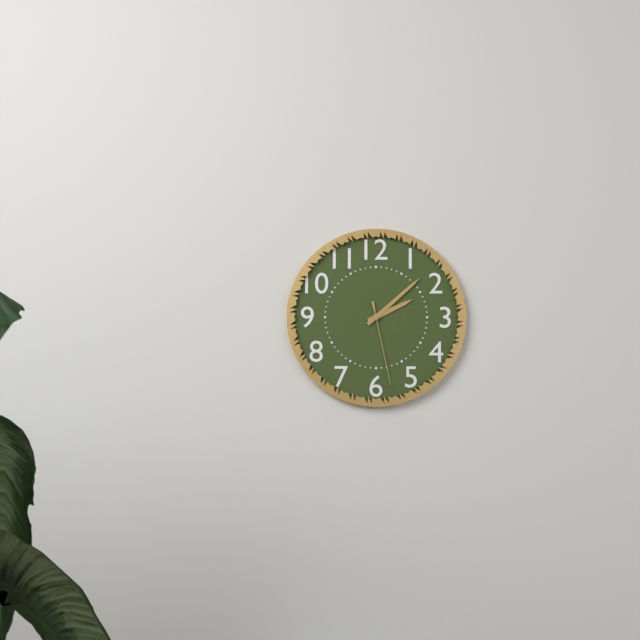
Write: 2:08:28
